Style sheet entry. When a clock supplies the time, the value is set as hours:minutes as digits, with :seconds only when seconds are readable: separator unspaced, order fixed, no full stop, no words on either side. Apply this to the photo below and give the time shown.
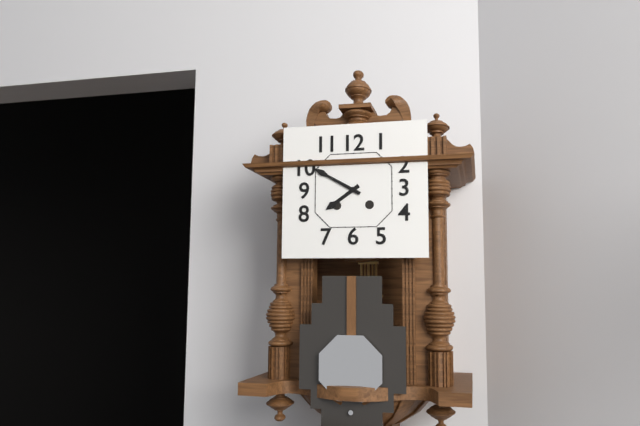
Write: 7:50
